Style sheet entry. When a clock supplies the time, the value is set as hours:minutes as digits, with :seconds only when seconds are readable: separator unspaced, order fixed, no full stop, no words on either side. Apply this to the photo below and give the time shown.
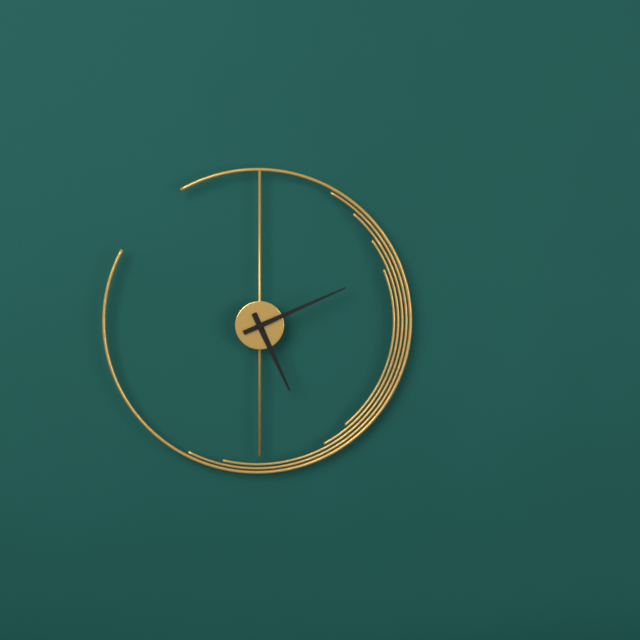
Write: 5:11
